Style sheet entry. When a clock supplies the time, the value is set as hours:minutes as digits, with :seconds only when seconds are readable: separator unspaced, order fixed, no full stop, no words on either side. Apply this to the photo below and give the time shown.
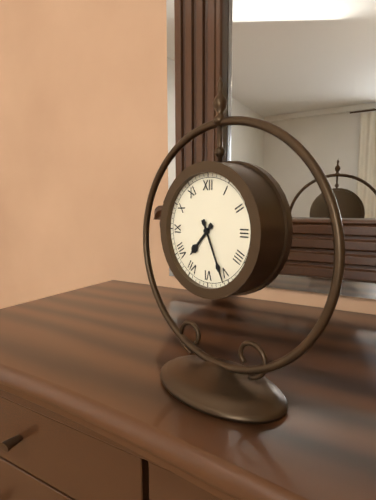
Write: 7:26
